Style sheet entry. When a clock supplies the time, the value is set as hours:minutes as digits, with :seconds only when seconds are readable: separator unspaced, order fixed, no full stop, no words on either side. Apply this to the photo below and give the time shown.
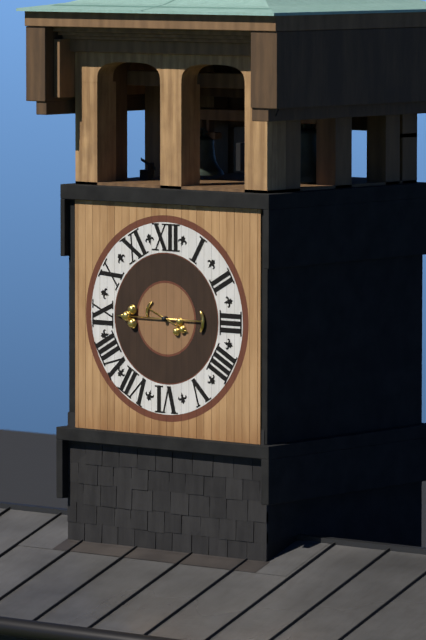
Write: 3:45
